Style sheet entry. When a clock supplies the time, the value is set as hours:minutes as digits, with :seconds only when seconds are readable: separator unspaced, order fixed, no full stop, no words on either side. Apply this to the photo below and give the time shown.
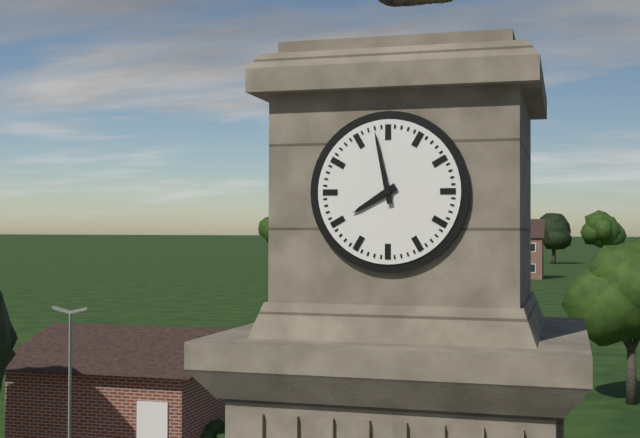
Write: 7:58
